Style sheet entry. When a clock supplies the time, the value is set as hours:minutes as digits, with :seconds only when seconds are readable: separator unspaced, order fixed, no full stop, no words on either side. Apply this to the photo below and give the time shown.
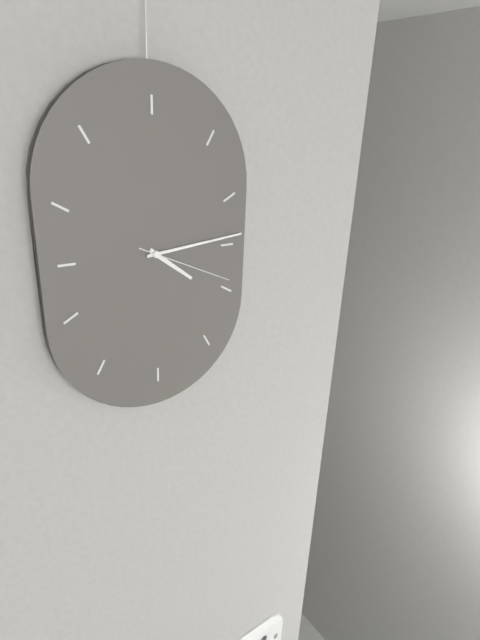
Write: 4:14:19
